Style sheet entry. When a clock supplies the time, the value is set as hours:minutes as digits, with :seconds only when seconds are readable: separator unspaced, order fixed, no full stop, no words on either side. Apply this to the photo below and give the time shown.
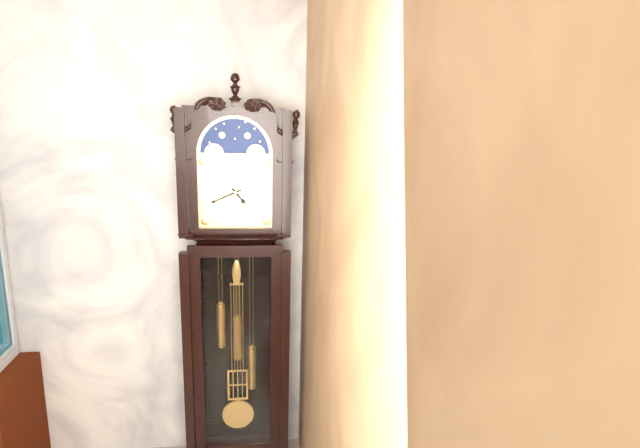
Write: 4:41
